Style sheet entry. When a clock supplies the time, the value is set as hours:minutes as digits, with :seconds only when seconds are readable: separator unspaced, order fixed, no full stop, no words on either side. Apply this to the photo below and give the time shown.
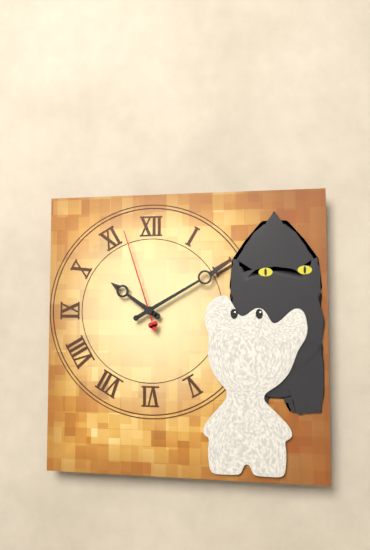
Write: 10:10:57
